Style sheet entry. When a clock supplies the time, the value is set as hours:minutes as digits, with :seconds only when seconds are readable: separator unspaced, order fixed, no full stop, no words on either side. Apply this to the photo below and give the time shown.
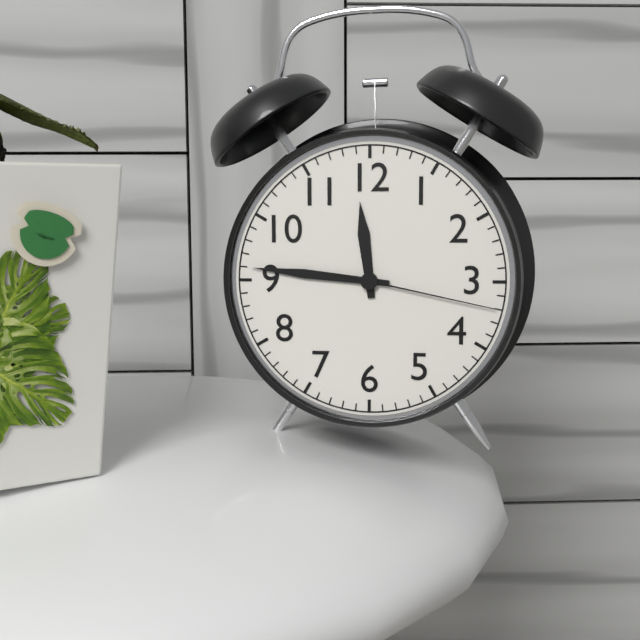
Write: 11:46:17
